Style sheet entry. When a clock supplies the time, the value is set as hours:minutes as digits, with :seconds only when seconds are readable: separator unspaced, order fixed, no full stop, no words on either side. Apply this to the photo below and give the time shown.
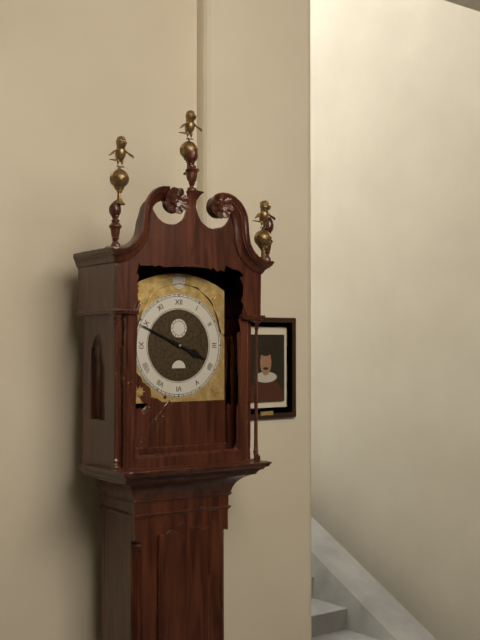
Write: 3:49
